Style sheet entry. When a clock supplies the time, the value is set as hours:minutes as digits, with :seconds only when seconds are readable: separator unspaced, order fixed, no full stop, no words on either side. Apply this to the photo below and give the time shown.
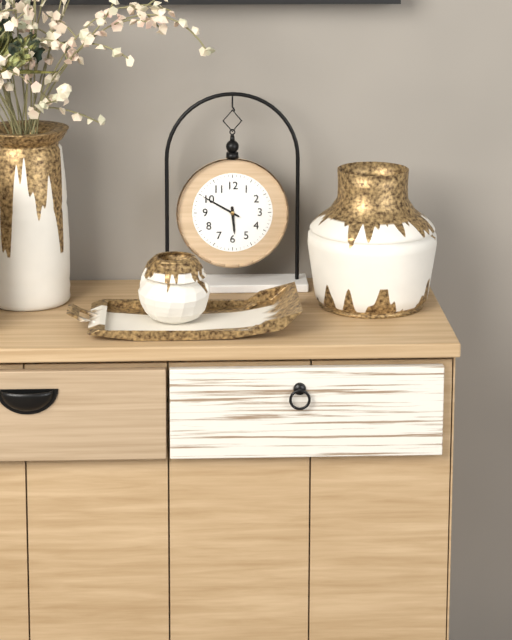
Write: 5:50
